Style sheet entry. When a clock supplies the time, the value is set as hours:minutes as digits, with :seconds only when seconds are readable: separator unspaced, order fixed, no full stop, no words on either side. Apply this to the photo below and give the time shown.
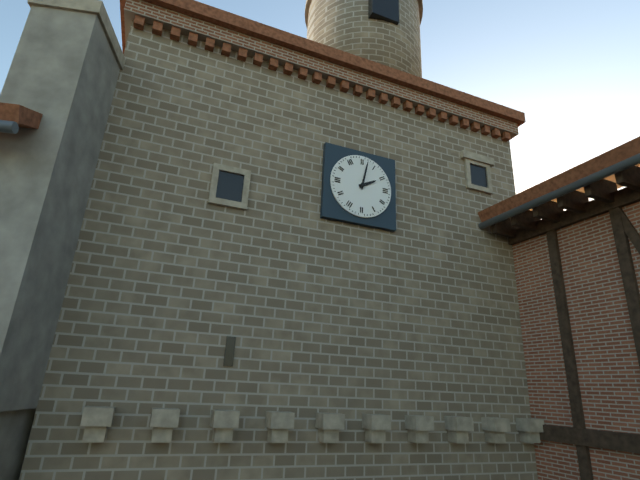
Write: 2:02
